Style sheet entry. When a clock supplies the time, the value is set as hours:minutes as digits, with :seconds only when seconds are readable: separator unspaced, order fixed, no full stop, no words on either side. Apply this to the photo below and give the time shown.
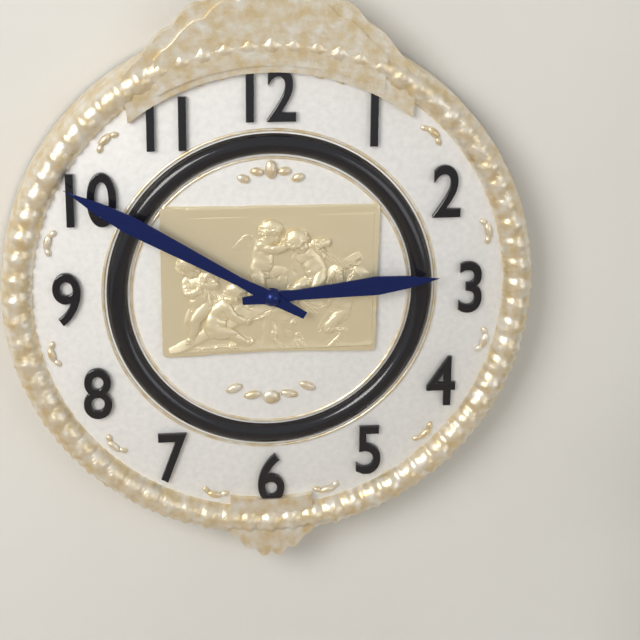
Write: 2:50
